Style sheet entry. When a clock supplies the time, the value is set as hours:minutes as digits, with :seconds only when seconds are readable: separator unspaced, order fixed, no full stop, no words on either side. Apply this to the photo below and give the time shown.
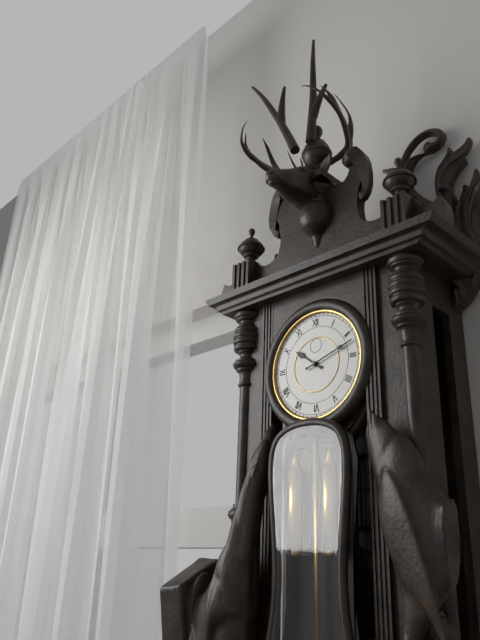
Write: 10:12
